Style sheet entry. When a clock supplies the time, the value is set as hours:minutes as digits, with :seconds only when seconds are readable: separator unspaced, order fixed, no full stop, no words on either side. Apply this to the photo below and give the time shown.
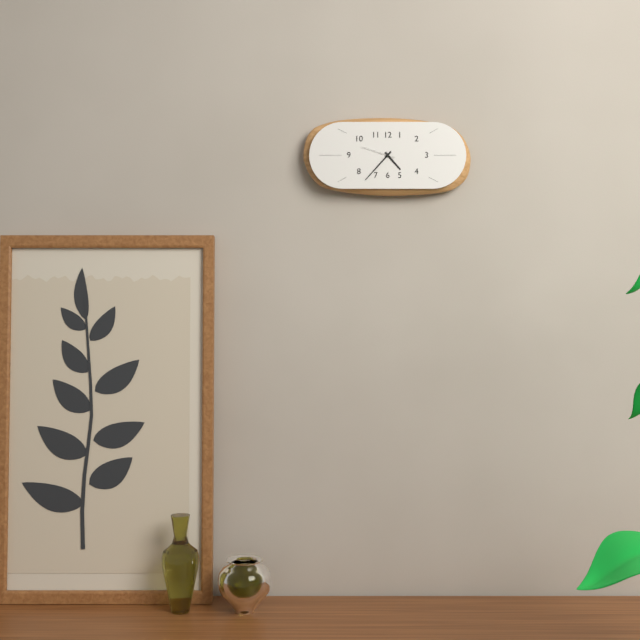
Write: 4:37
